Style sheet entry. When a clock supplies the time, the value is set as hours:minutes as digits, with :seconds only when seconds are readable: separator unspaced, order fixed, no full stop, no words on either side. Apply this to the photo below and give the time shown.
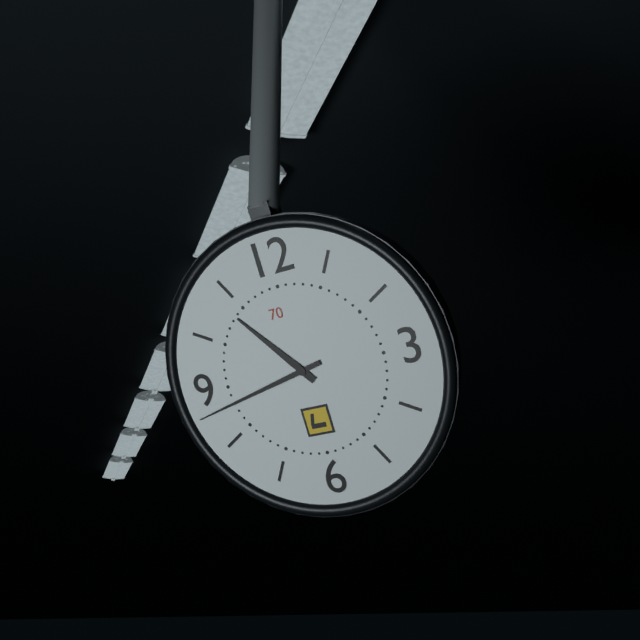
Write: 10:43
